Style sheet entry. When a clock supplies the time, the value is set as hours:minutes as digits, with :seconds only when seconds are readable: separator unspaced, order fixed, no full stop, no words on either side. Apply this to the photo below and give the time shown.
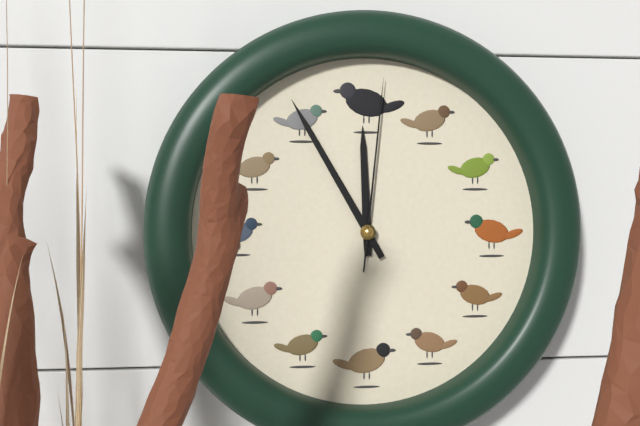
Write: 11:55:01
